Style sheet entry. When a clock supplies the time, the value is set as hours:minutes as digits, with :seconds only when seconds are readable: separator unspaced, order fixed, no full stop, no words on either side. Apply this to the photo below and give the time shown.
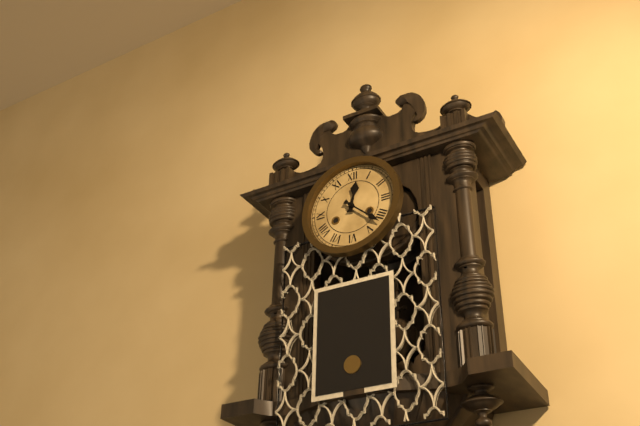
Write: 12:22
